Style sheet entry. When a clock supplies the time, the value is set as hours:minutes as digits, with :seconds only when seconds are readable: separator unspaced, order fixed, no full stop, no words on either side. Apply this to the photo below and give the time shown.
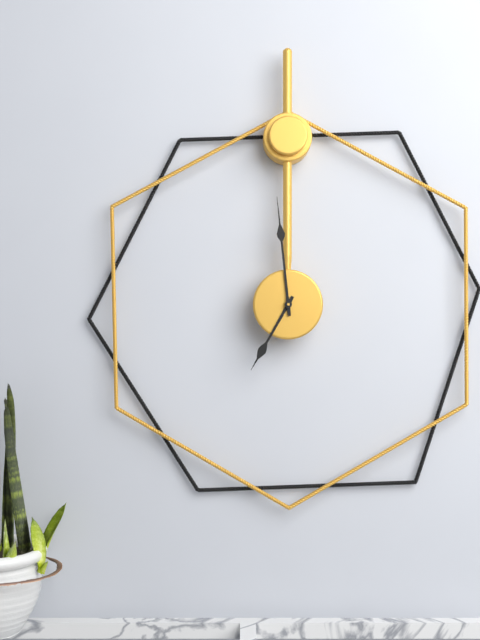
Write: 6:59
